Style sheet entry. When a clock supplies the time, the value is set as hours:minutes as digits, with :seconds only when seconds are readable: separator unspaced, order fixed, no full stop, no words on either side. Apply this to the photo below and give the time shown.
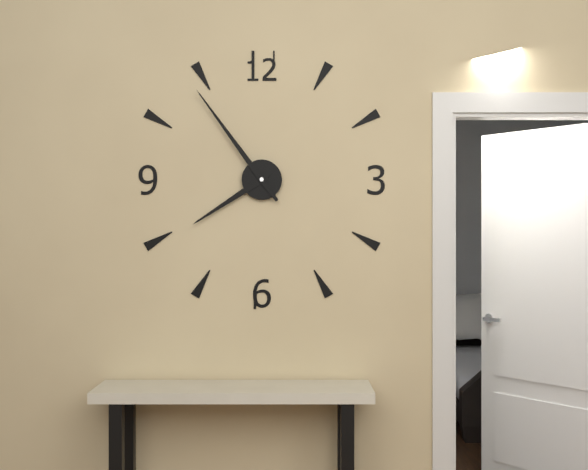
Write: 7:54
